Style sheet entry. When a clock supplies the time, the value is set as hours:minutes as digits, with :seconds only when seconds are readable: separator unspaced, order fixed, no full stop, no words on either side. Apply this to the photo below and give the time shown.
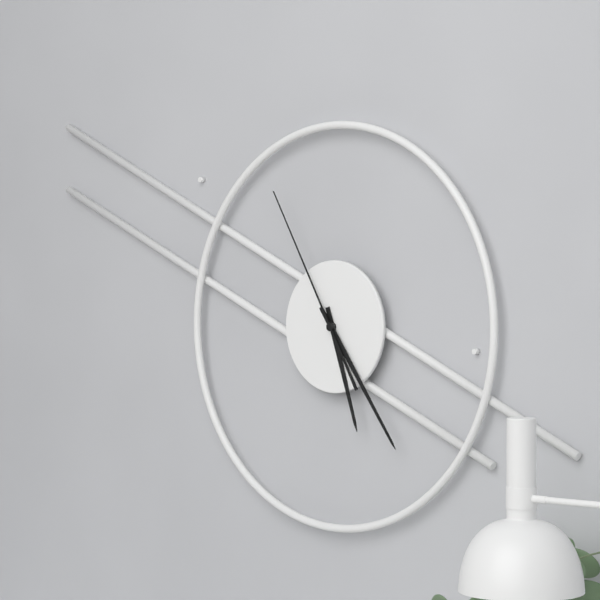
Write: 5:24:55
